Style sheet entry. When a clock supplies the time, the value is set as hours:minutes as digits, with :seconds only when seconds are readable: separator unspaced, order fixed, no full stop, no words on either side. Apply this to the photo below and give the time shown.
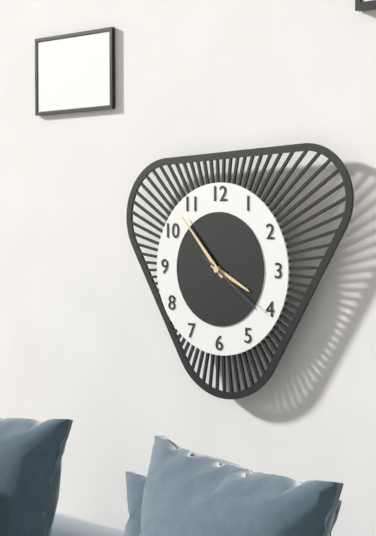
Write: 3:53:21
